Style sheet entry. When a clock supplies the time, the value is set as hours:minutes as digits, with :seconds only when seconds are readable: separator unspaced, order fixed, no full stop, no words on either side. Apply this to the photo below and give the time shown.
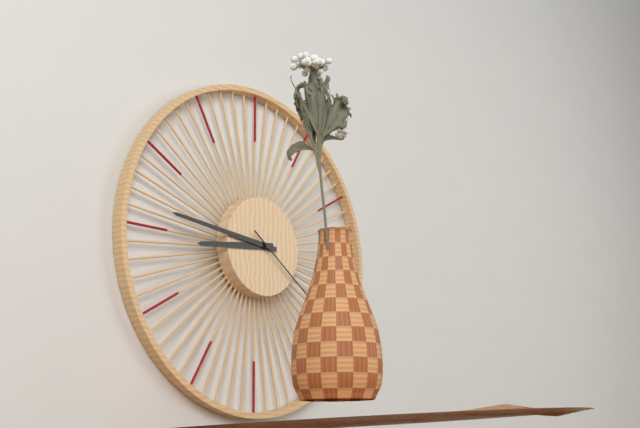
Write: 8:46
